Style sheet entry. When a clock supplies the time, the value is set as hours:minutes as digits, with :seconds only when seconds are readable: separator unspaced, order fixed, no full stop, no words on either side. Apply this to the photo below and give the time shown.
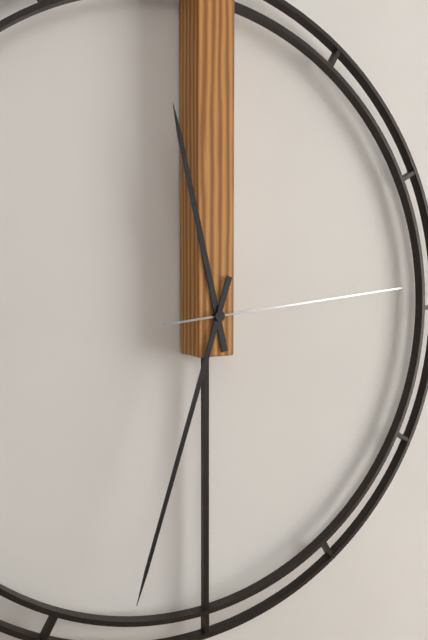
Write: 11:33:14
